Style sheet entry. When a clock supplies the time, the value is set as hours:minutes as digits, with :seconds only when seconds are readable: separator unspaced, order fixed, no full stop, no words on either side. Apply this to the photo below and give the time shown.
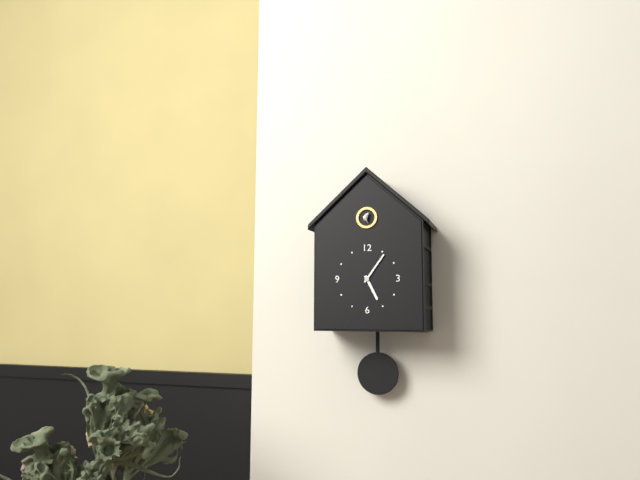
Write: 5:06
